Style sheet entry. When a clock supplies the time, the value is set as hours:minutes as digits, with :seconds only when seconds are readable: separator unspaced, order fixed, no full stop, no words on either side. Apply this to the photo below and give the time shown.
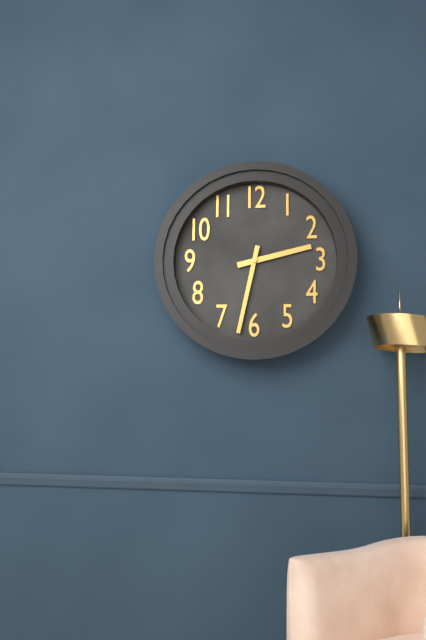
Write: 2:32
